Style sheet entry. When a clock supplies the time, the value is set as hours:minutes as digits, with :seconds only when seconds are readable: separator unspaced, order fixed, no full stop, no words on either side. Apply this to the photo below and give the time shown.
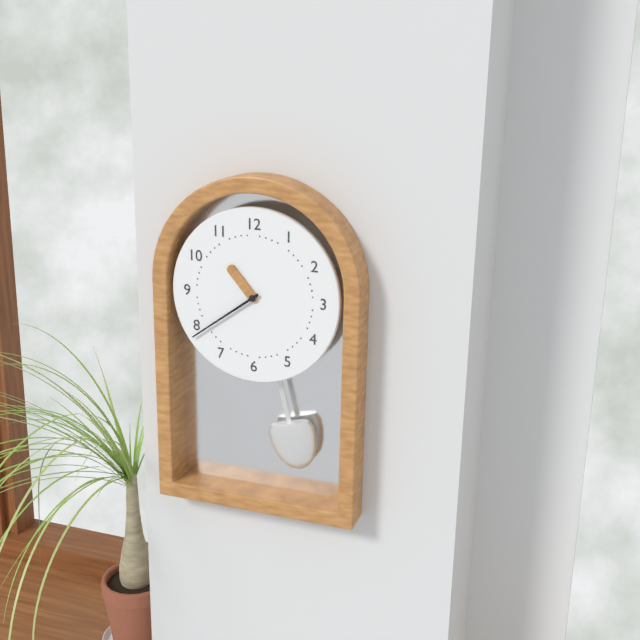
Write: 10:39
